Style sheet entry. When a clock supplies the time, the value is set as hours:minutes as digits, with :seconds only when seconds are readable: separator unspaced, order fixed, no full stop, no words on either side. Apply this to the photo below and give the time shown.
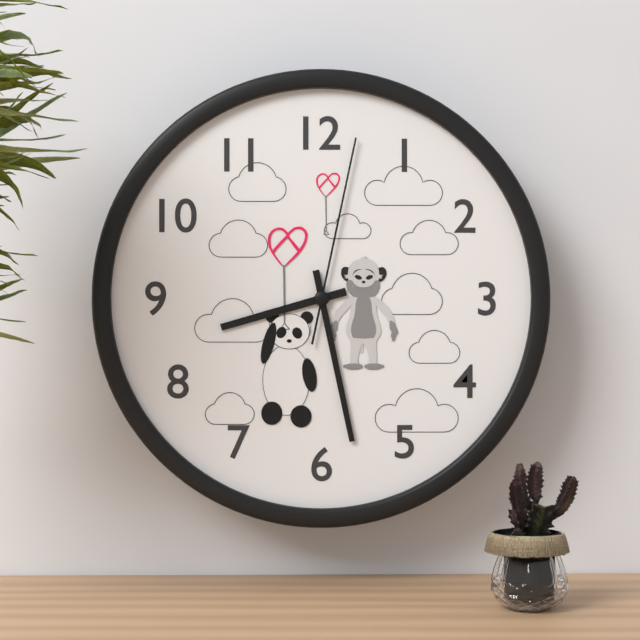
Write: 8:28:02
